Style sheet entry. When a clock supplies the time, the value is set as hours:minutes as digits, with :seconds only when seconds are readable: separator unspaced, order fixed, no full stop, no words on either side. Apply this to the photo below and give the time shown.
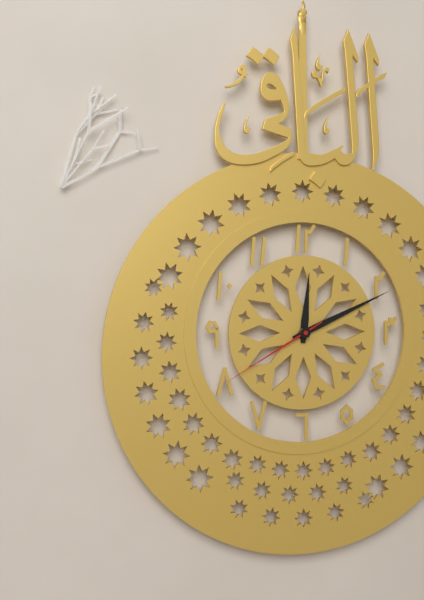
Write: 12:11:40
